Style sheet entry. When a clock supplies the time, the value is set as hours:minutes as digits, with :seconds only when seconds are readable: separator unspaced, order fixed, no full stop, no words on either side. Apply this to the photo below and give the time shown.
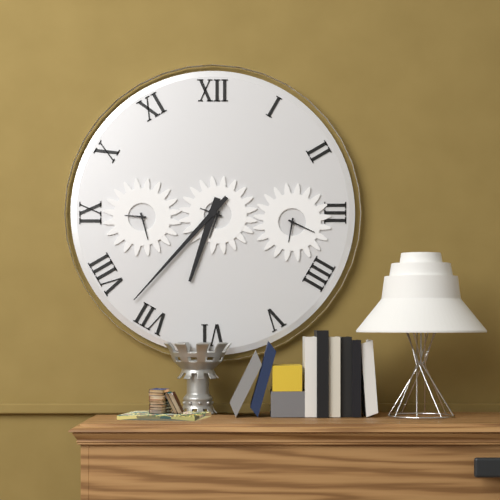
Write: 6:37
